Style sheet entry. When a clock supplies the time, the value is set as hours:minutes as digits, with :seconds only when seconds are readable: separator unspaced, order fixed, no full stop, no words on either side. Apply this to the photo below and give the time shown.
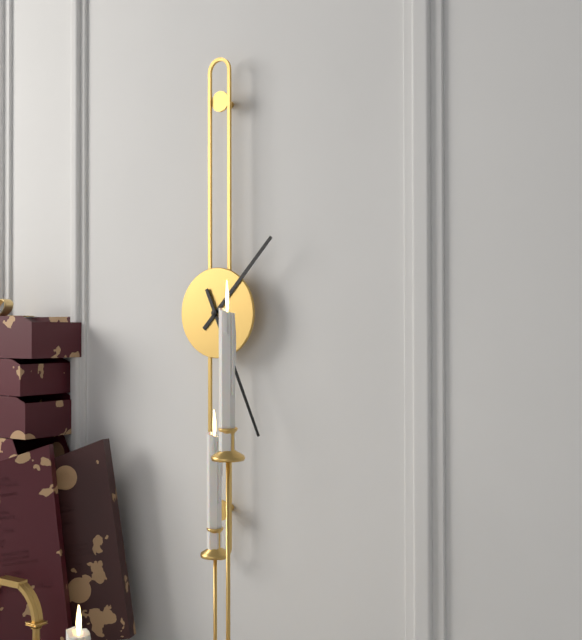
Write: 1:26
